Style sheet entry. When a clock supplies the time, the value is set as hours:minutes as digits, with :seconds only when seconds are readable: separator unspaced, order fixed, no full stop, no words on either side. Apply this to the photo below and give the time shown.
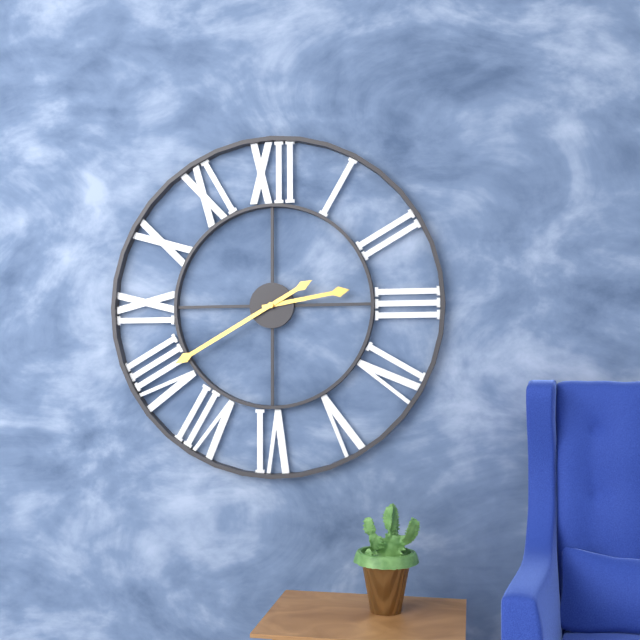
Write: 2:40
